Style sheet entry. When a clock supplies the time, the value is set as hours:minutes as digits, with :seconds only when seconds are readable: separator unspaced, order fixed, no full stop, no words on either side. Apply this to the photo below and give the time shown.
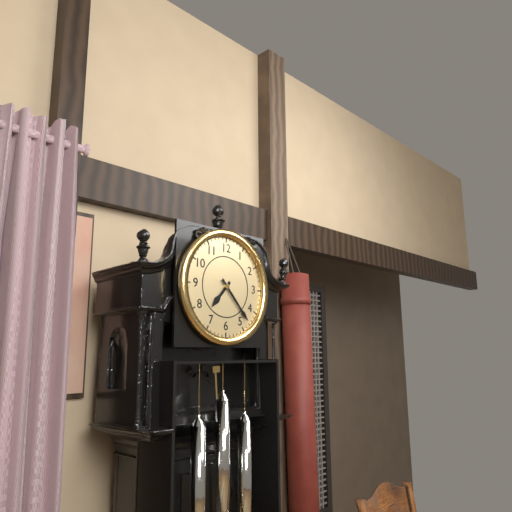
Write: 7:23
